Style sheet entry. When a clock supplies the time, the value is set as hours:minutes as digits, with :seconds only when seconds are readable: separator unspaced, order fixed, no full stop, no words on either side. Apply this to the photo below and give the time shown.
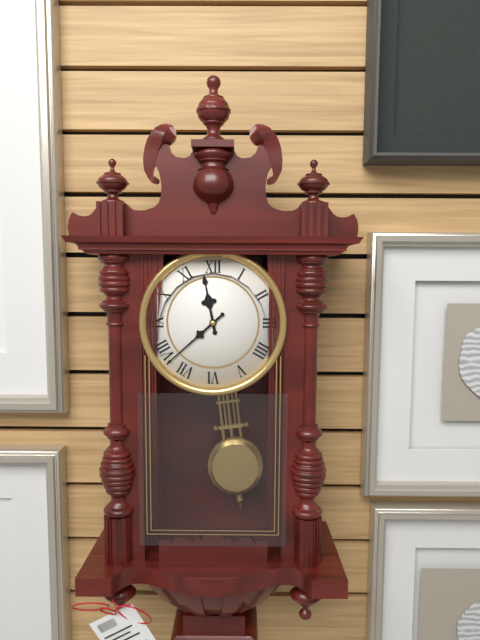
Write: 11:38
